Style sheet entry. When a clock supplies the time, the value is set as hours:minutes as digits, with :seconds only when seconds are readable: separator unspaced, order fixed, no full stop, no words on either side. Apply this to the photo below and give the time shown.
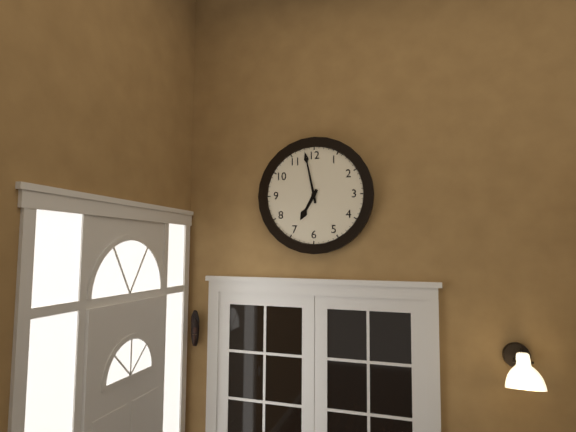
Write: 6:58
